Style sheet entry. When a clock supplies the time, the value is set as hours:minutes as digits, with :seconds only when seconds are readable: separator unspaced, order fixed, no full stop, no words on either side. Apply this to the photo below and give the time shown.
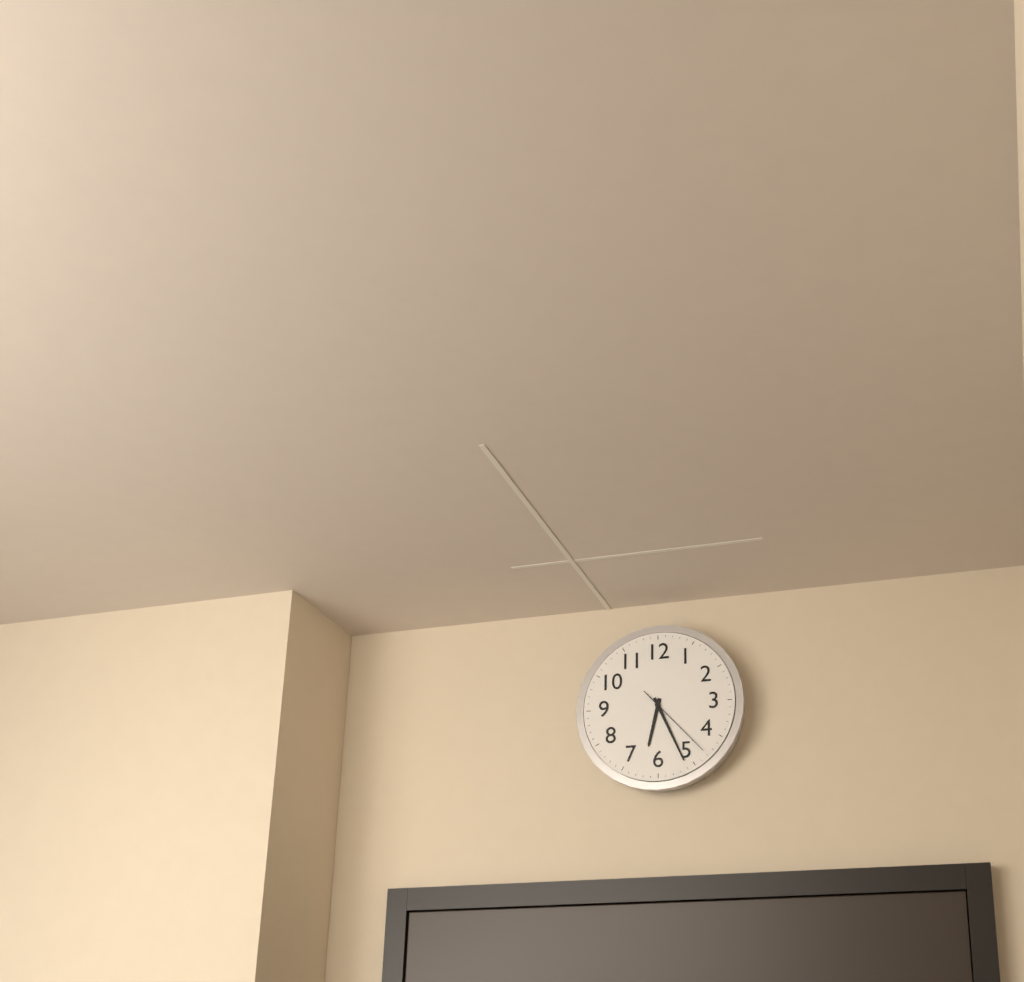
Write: 6:26:23
